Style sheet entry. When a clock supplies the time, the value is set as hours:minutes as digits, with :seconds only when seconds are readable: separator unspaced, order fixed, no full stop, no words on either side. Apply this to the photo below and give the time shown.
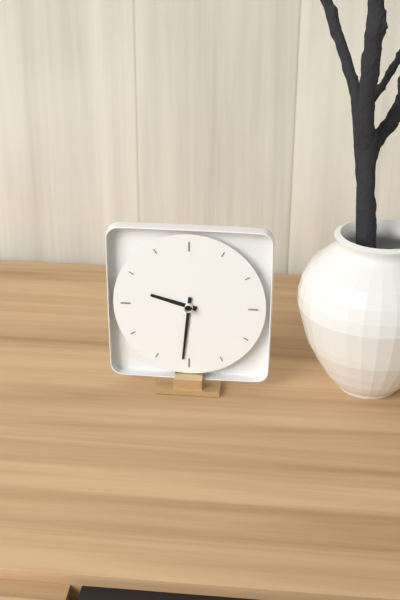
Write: 9:31
